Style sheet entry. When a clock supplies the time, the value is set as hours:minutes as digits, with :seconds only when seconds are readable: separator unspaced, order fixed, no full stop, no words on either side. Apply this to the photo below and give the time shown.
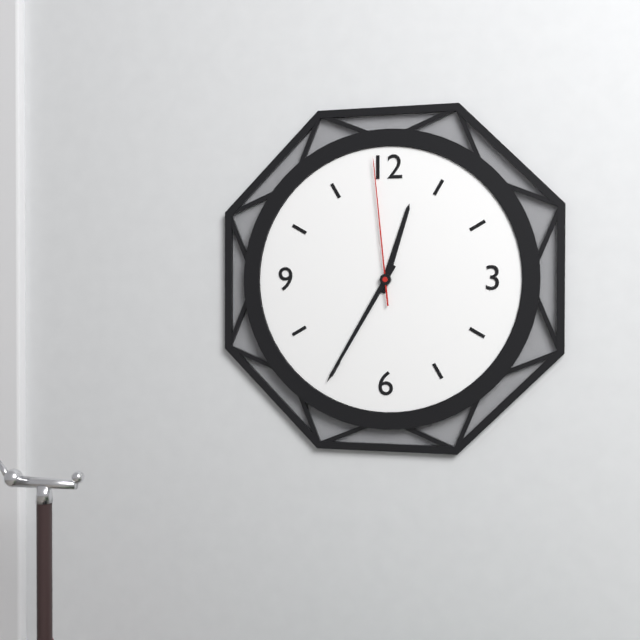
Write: 12:35:59
